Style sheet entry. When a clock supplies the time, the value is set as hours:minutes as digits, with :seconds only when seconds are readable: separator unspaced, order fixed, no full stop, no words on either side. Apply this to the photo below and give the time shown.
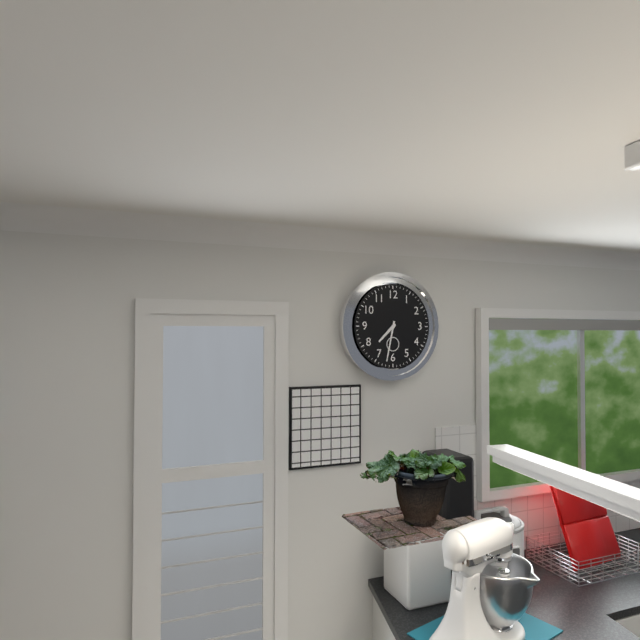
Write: 7:32
